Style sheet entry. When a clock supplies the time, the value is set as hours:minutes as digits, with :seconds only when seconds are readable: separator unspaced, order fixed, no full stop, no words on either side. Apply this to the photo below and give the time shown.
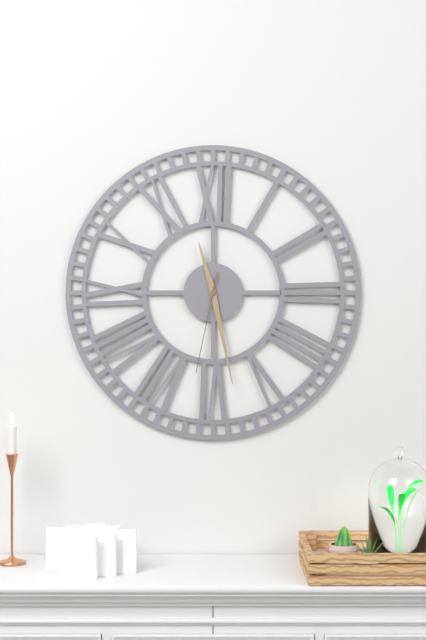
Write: 11:28:32
